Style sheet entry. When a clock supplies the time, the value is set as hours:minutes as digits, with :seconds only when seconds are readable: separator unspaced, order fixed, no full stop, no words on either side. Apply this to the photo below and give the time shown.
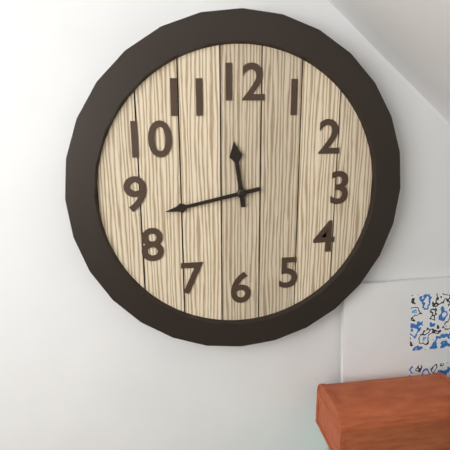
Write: 11:43
